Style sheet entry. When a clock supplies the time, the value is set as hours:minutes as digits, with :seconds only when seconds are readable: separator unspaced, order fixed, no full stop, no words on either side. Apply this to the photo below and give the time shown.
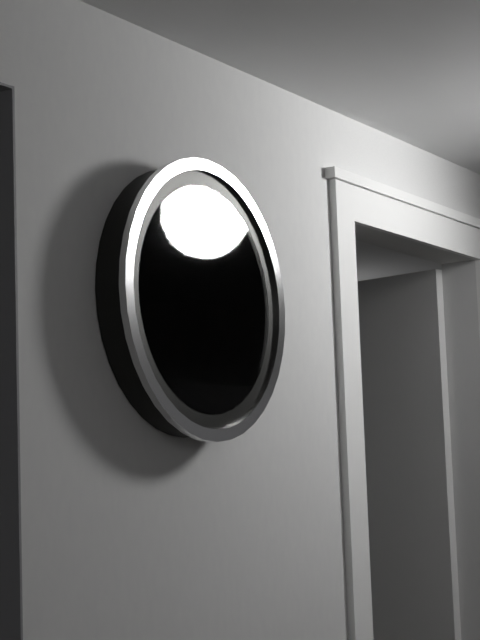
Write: 3:04
